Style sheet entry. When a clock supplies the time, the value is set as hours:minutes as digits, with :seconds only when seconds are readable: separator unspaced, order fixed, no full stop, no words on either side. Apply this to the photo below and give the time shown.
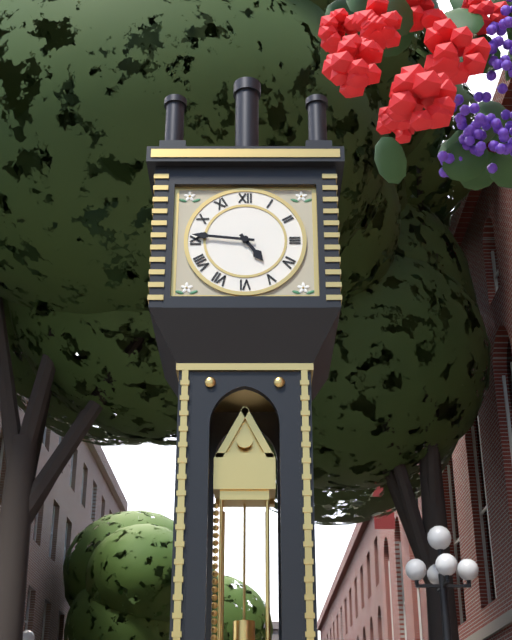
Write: 4:46
